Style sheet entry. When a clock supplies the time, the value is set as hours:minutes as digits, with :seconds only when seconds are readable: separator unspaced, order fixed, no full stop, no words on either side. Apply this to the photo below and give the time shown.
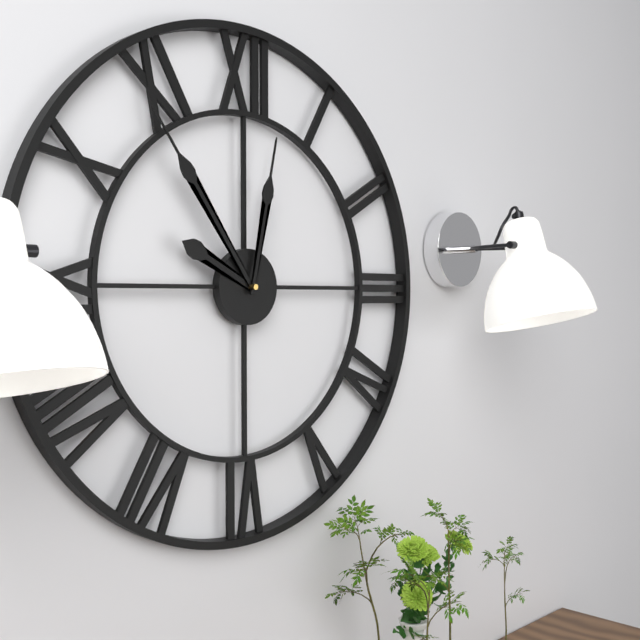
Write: 9:54:02
